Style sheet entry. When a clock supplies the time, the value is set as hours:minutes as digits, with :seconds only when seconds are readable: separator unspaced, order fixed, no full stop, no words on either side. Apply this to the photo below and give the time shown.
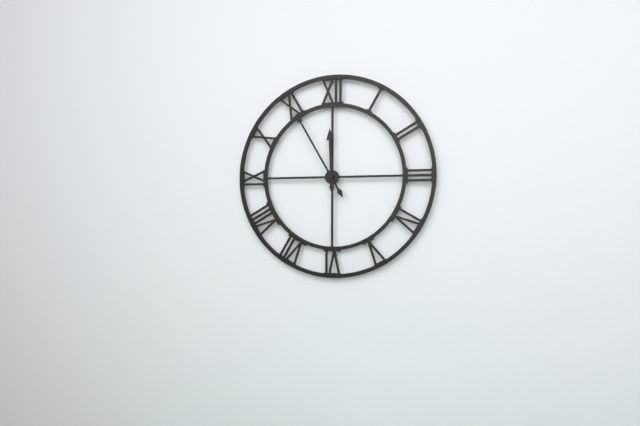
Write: 11:55
